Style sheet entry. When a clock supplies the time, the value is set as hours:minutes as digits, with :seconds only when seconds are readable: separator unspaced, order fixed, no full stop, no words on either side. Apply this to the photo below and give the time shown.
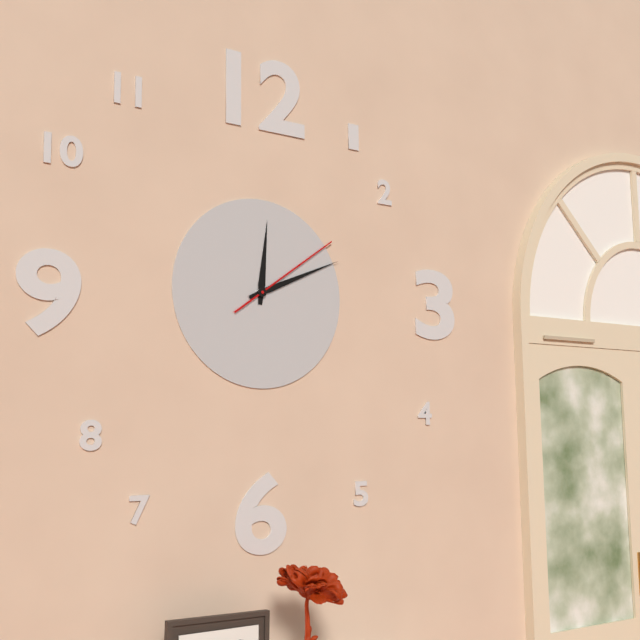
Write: 12:11:09
